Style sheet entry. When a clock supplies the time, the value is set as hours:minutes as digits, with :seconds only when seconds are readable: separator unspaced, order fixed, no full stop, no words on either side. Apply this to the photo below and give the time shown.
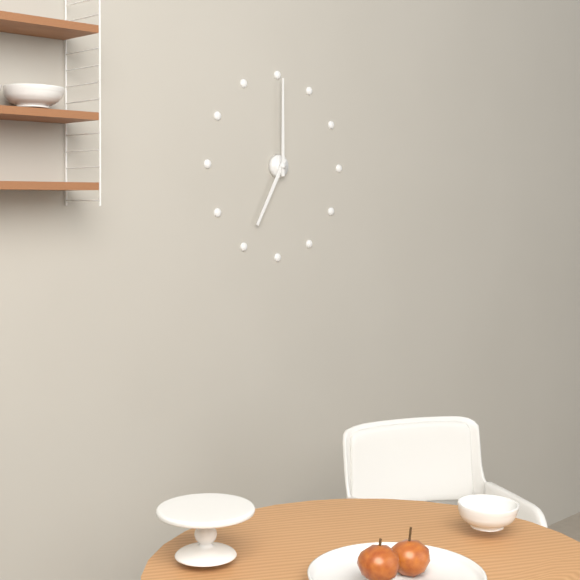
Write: 7:00
